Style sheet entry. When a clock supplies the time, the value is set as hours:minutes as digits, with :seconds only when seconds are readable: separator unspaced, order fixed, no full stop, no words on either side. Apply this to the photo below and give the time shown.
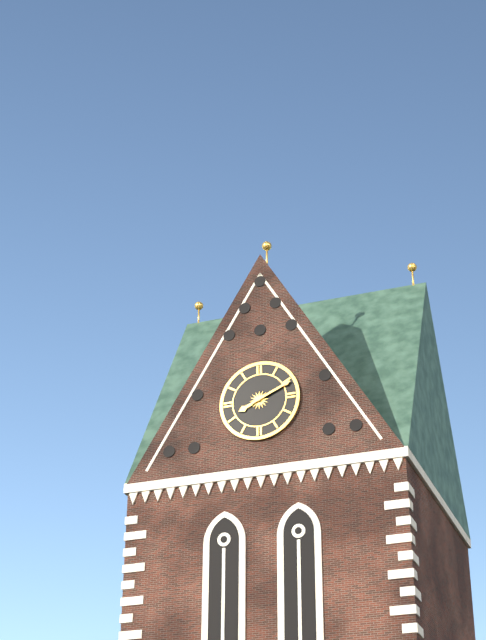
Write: 8:11
